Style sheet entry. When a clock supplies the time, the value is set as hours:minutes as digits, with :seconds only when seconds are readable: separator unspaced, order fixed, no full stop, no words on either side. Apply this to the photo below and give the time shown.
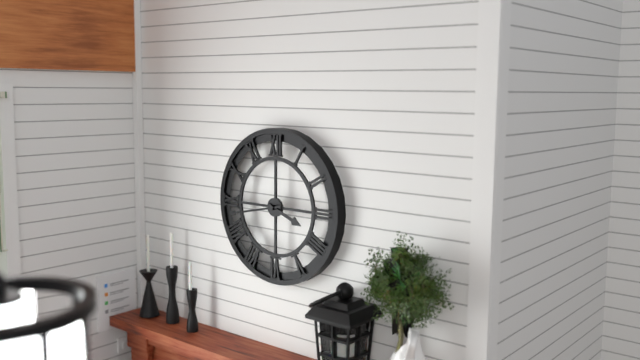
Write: 3:43
